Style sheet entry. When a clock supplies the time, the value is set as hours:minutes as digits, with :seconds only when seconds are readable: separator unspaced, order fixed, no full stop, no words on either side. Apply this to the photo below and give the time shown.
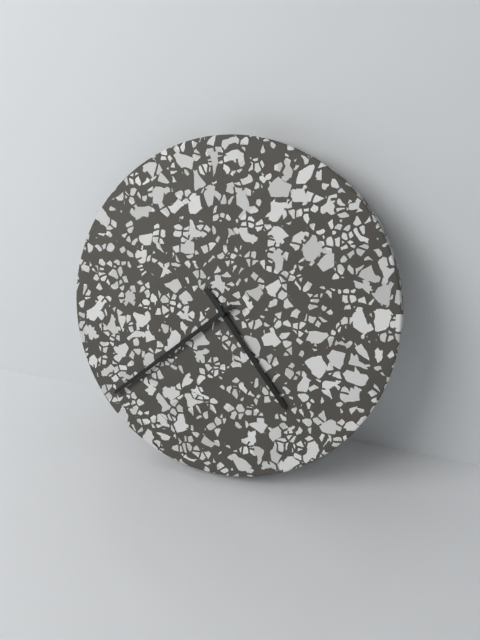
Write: 4:38
